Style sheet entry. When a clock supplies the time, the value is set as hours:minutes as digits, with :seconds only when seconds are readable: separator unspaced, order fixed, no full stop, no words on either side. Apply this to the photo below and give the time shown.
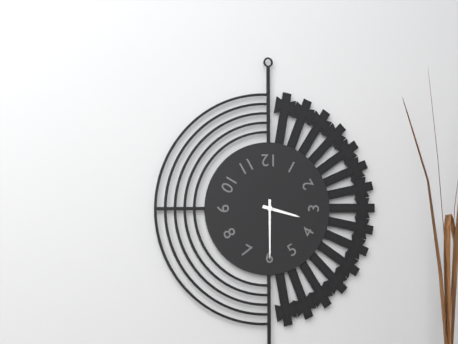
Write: 3:30
